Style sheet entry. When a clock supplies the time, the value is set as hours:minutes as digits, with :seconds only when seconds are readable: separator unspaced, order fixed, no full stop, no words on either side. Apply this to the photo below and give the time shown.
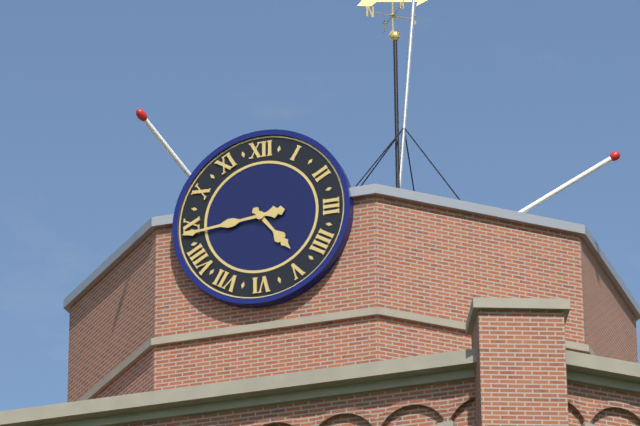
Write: 4:44
